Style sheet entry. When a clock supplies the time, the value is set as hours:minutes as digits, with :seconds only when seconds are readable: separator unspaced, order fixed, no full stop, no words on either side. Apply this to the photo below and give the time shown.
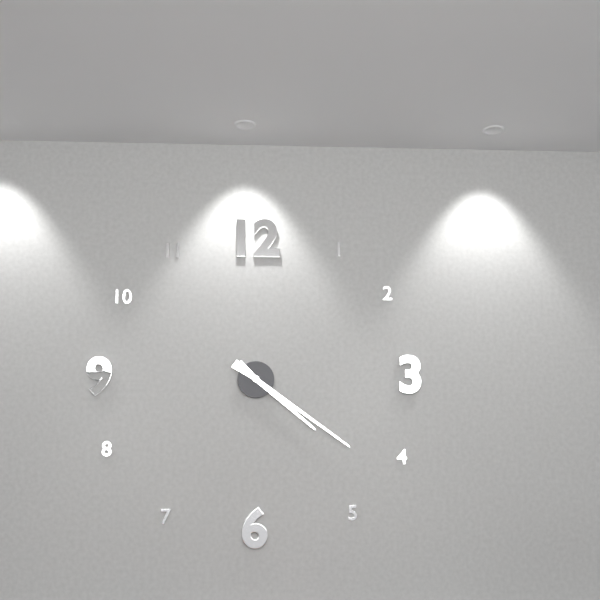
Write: 4:21
